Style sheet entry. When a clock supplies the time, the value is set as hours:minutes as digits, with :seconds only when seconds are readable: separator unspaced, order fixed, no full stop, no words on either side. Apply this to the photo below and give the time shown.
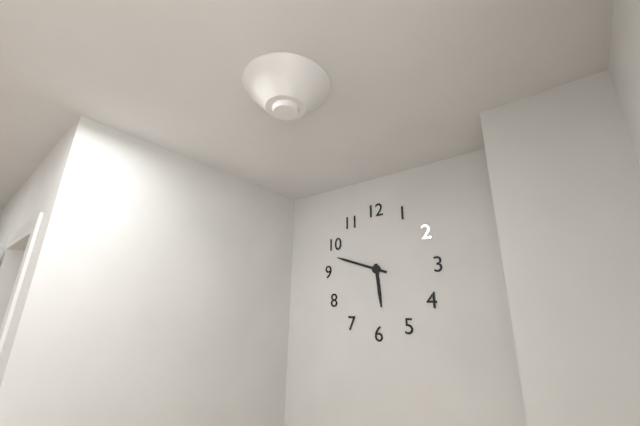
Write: 5:48
